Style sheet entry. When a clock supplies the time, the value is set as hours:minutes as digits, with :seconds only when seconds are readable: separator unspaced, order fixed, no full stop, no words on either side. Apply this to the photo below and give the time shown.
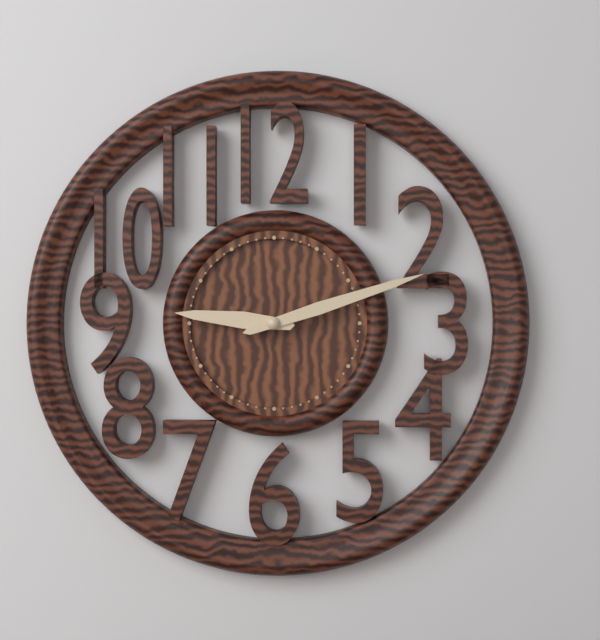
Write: 9:12
